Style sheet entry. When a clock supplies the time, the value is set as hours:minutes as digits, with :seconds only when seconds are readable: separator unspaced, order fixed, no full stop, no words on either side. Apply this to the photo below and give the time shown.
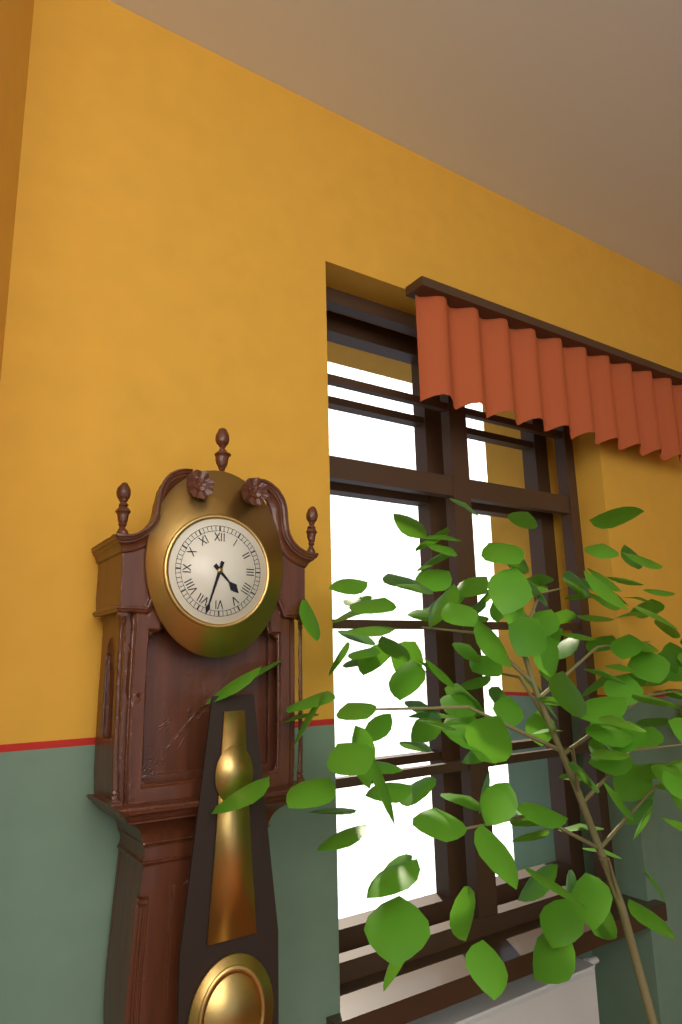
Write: 4:33
